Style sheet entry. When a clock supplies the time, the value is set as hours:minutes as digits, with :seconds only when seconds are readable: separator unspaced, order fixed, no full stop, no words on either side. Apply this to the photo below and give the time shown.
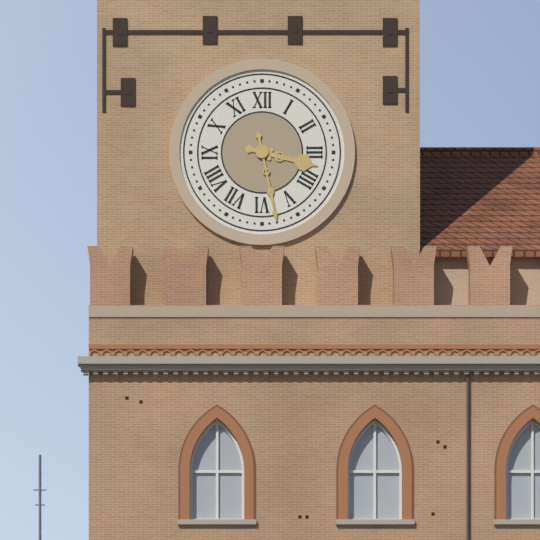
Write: 3:28
